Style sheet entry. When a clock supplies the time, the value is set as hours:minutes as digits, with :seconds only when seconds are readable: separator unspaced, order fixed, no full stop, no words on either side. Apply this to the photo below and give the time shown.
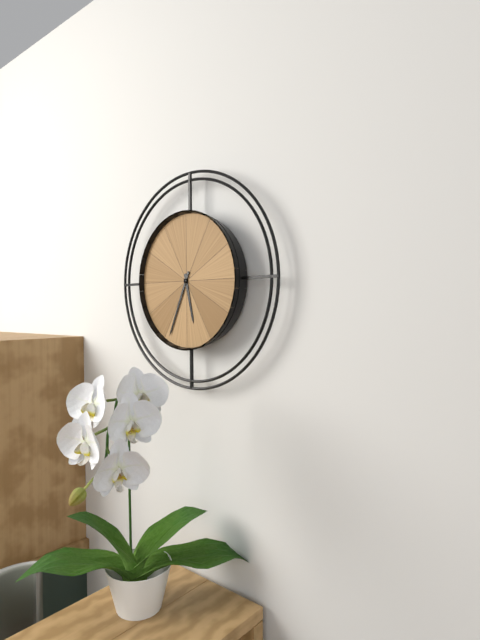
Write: 5:34
